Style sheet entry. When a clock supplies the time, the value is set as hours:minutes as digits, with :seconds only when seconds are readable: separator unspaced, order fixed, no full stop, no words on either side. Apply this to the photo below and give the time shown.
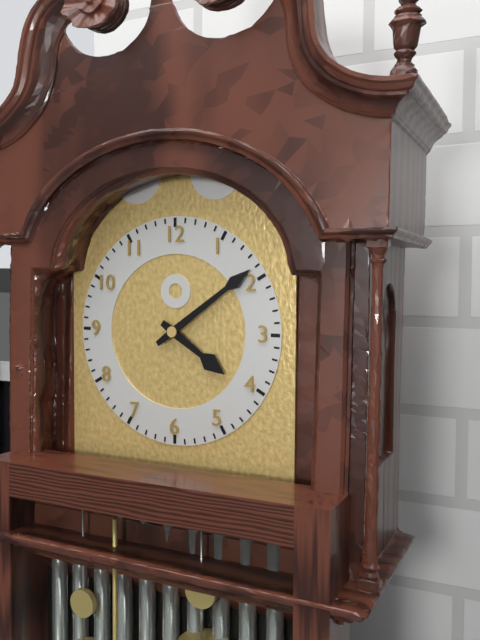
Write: 4:09
